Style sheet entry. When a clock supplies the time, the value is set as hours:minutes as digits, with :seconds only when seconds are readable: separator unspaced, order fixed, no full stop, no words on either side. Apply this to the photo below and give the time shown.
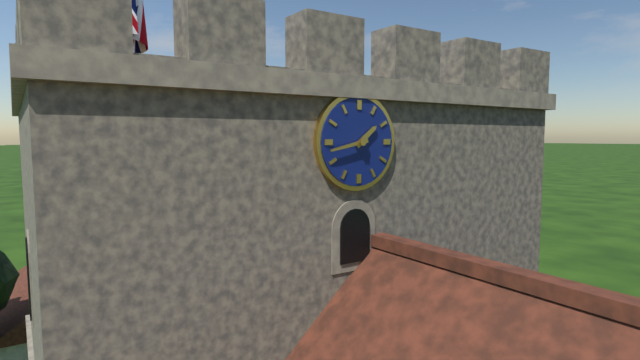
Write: 1:43
